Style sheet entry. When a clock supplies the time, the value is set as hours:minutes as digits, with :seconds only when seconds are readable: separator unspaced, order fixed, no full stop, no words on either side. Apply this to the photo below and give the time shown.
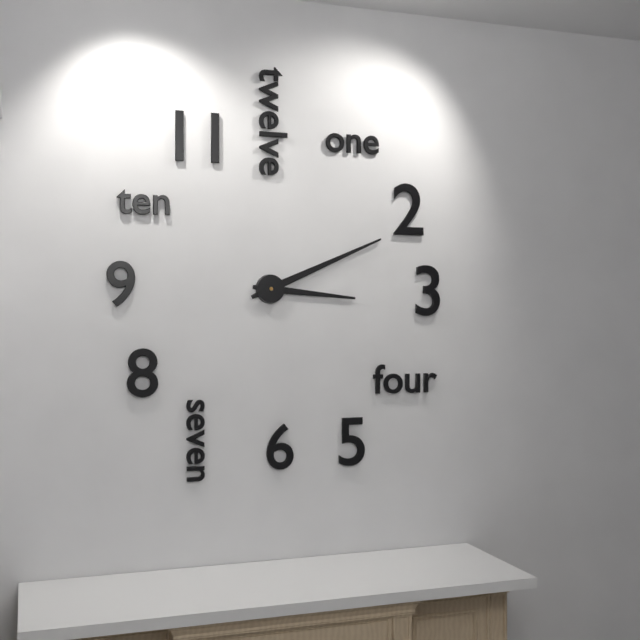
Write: 3:11
